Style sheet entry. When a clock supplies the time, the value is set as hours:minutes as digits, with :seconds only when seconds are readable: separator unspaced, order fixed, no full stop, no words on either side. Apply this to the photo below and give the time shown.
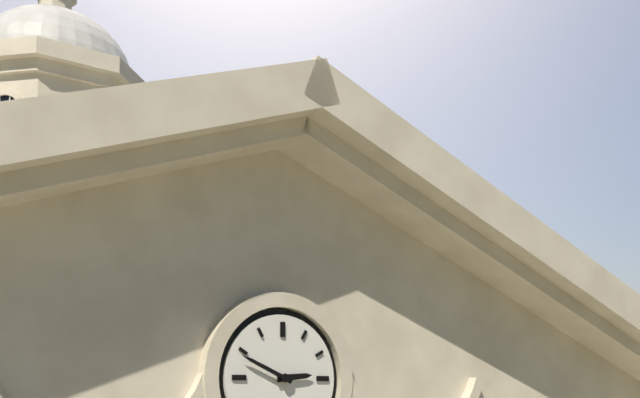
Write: 2:49
